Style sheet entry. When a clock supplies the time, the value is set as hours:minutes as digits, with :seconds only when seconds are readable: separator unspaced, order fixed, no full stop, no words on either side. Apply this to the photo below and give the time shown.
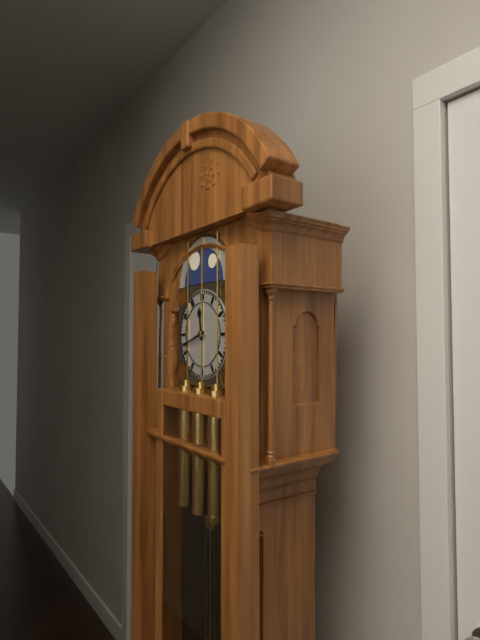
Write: 11:42
